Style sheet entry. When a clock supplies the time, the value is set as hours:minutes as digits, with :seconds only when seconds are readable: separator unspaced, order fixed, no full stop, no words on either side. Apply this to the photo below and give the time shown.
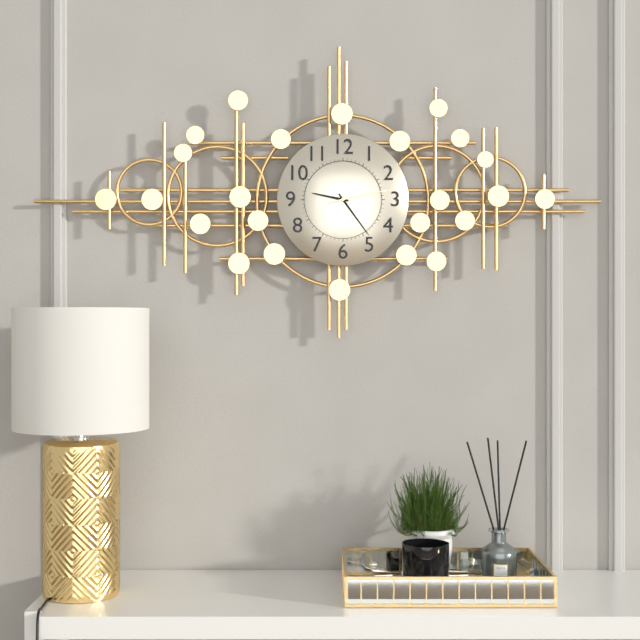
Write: 9:24:13
